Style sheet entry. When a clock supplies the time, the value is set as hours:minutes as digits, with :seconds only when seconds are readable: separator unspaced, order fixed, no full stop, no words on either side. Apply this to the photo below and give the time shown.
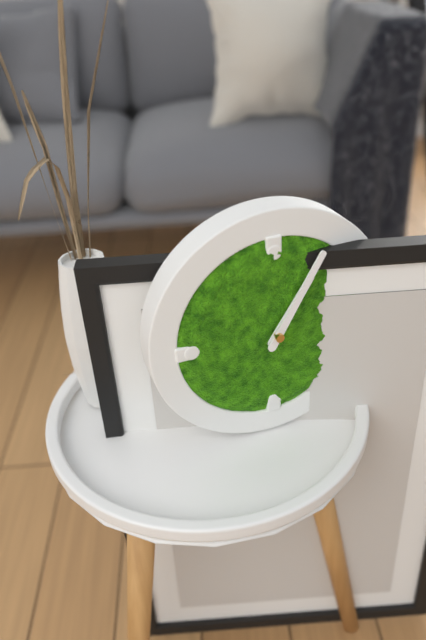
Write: 1:05
